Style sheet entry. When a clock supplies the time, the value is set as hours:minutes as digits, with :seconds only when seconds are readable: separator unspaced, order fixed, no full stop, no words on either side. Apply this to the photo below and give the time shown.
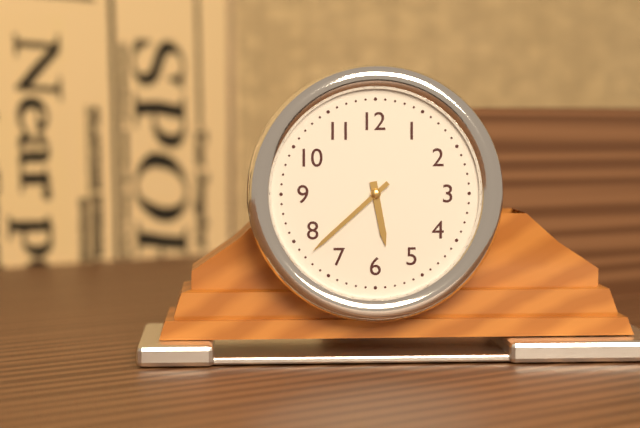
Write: 5:38
